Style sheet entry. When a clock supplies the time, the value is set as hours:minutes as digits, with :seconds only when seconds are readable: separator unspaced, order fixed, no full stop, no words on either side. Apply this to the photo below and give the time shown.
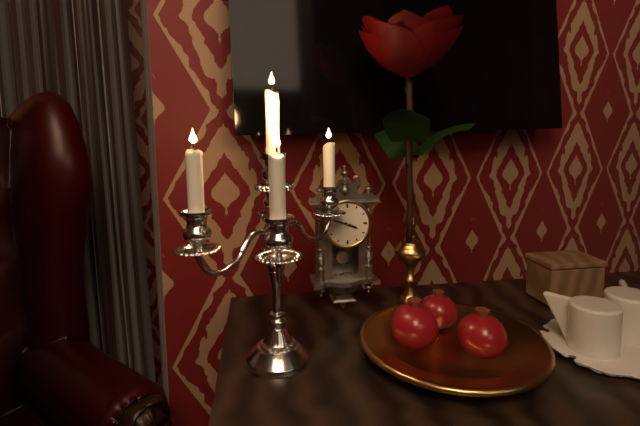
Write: 3:48
